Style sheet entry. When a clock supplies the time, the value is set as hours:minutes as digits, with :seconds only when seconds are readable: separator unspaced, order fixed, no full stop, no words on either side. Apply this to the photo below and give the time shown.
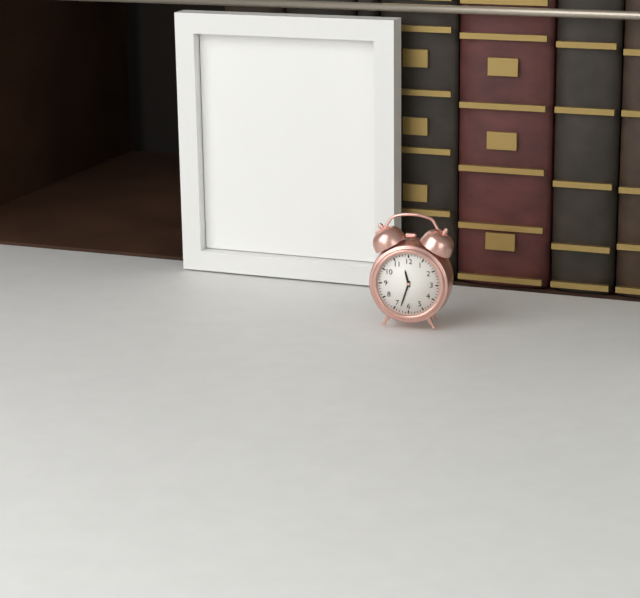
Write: 11:33
